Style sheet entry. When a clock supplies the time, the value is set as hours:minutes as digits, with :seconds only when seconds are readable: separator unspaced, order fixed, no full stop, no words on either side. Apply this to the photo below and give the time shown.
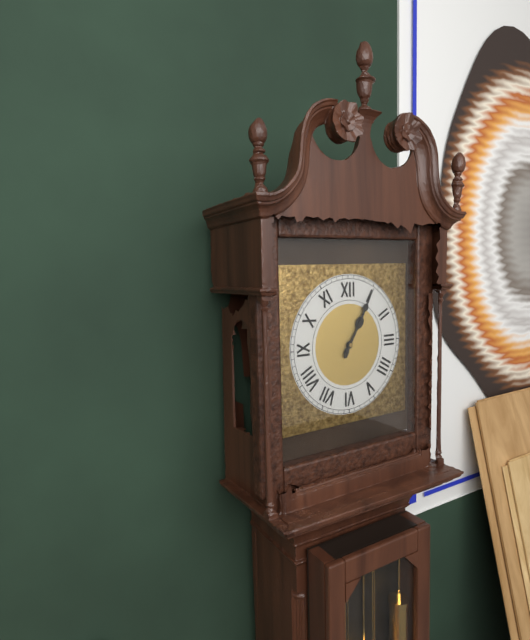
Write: 1:05
